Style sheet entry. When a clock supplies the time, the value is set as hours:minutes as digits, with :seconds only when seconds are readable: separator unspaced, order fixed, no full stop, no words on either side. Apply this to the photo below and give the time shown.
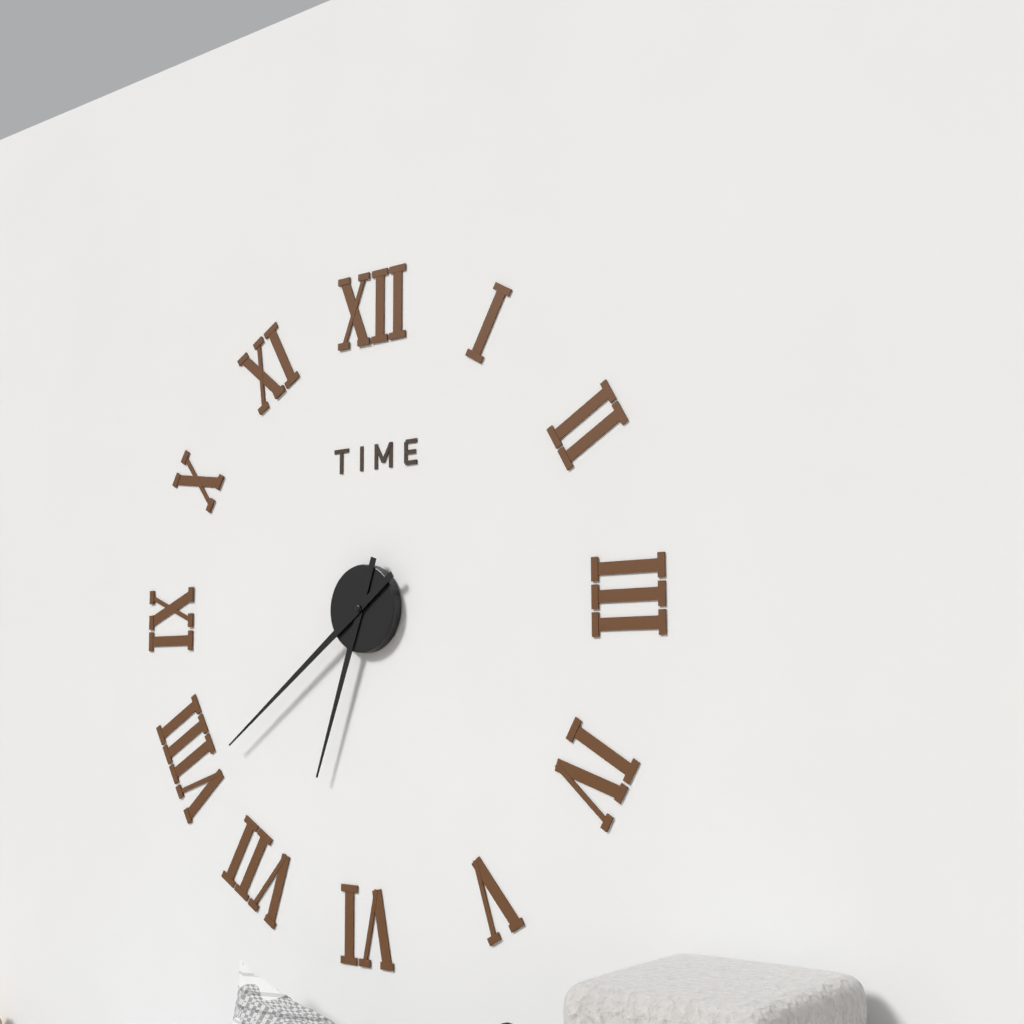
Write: 6:39
